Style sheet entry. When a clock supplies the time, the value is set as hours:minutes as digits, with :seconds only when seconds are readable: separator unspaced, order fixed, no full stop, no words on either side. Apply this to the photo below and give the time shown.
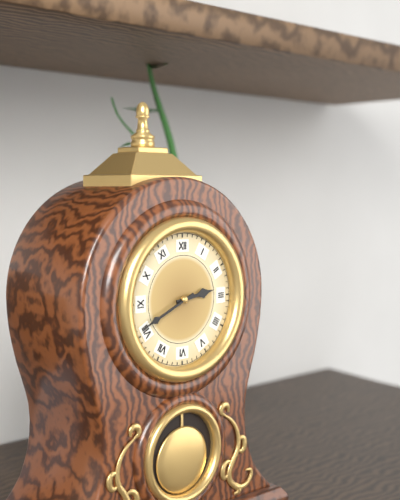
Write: 2:41
